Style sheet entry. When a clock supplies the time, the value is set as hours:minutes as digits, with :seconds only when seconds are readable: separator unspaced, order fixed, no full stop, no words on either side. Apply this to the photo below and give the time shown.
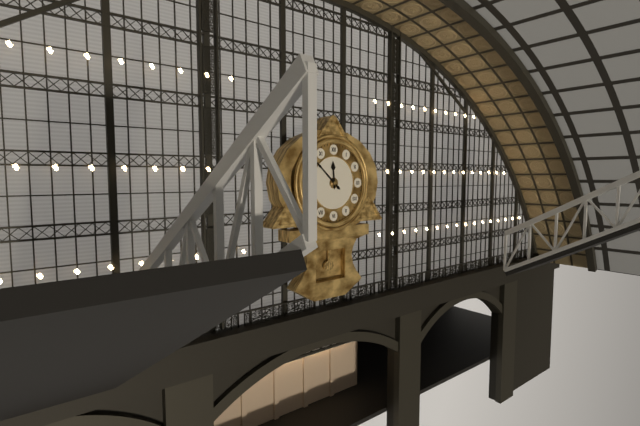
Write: 11:52
